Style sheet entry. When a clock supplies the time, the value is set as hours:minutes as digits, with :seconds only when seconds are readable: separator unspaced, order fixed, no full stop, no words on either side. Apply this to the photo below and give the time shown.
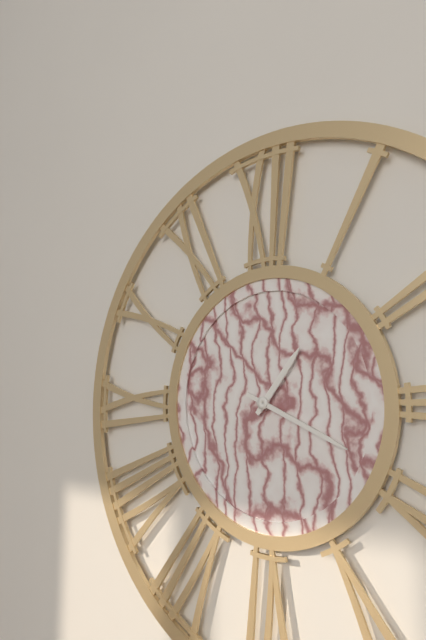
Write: 1:19
